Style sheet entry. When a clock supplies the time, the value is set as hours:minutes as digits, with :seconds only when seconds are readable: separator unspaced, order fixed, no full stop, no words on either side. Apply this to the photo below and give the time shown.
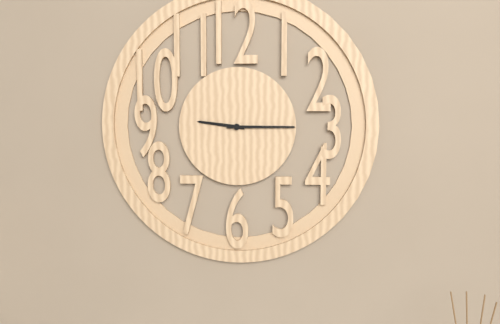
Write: 9:15
